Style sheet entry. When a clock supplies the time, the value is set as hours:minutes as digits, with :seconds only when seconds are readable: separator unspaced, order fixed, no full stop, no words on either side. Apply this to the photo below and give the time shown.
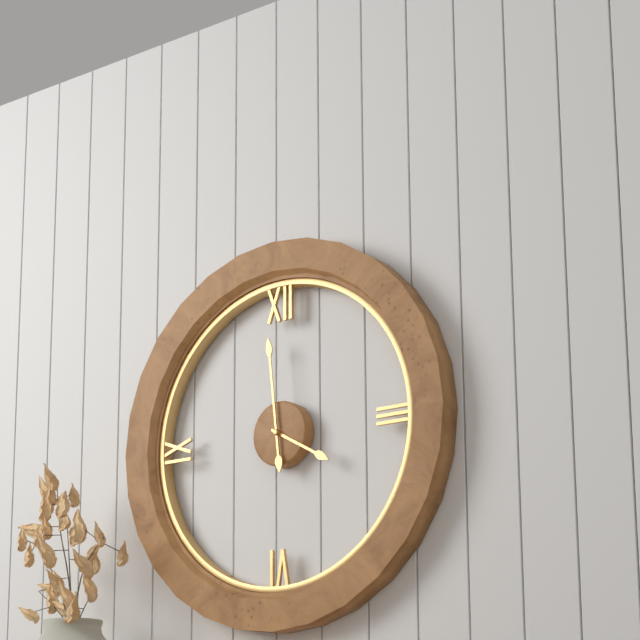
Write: 3:59
